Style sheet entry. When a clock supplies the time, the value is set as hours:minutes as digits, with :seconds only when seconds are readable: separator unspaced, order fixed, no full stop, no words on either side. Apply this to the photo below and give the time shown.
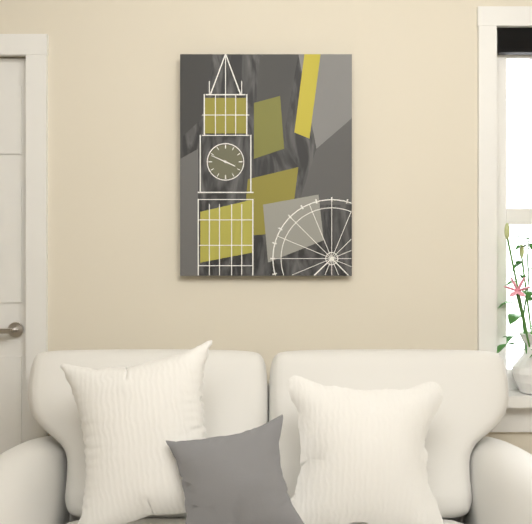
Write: 3:49
